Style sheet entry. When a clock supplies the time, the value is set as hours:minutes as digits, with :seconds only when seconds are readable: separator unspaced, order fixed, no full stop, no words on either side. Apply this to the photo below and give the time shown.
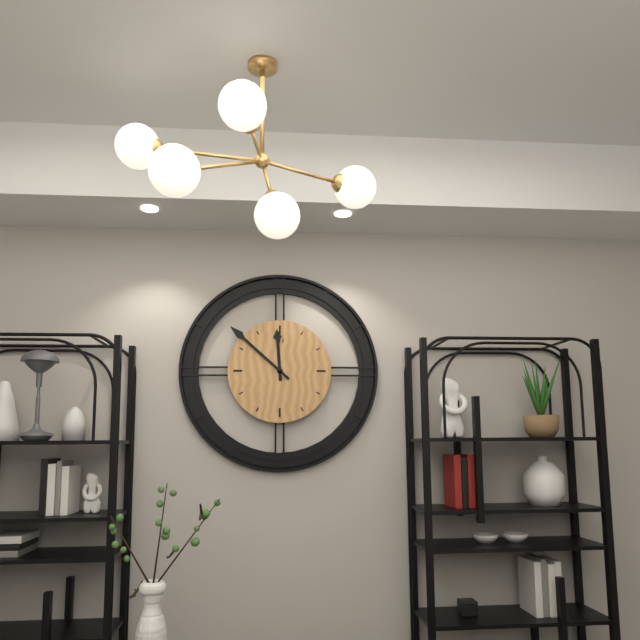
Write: 11:52
